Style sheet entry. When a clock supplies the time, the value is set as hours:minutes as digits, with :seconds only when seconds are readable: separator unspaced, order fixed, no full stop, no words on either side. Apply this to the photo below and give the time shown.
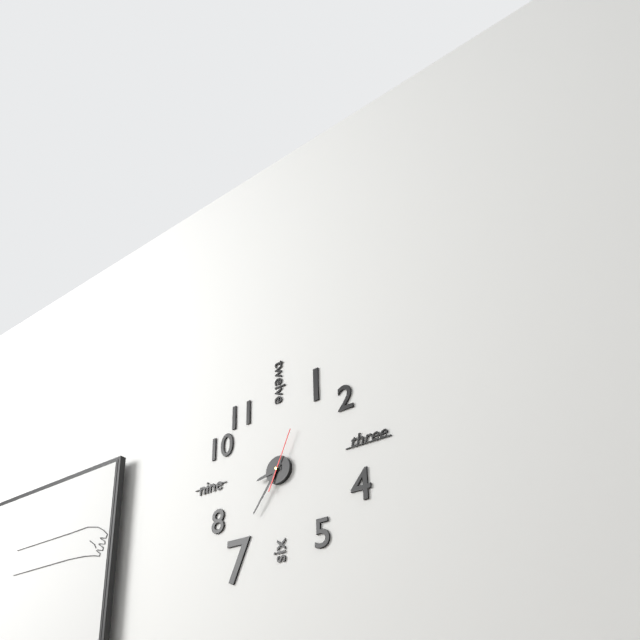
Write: 8:36:04
